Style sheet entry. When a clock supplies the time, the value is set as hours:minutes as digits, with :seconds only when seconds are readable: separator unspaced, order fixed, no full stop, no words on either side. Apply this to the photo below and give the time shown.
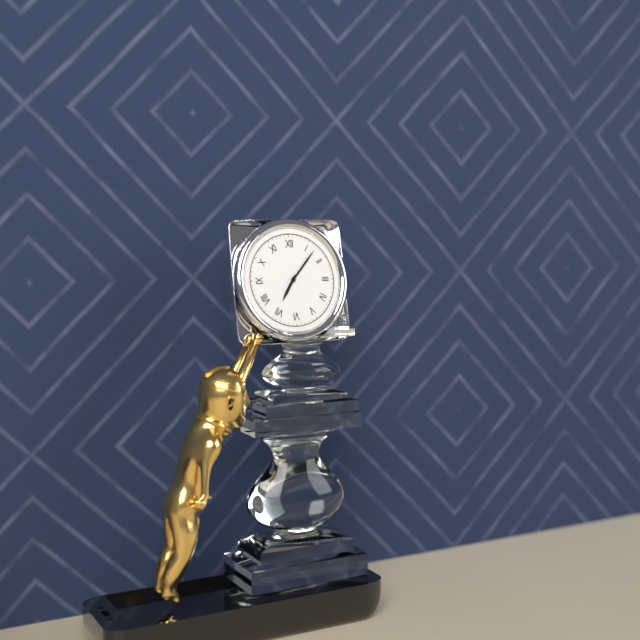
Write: 7:07
